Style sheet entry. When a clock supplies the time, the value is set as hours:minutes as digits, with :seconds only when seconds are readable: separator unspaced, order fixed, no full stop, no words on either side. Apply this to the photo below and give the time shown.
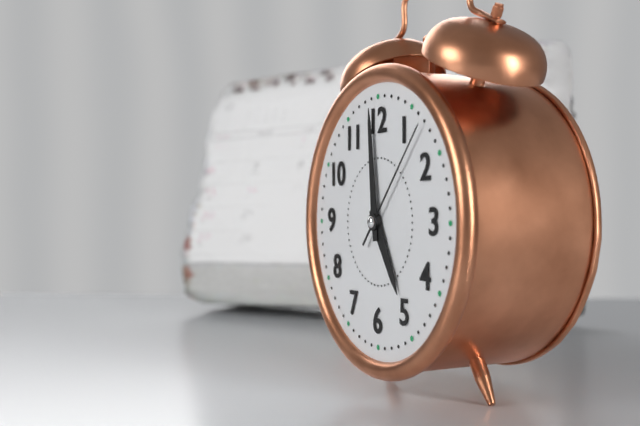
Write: 4:59:07
